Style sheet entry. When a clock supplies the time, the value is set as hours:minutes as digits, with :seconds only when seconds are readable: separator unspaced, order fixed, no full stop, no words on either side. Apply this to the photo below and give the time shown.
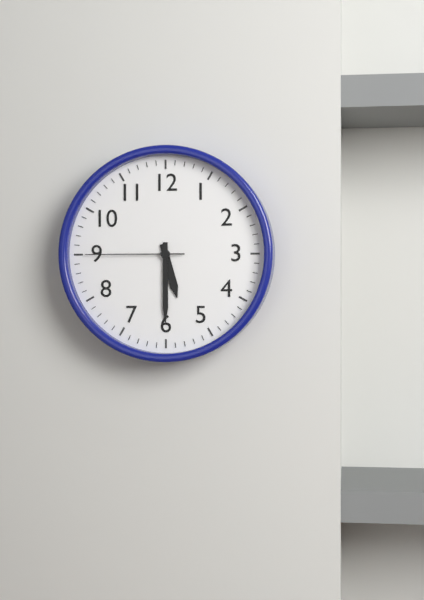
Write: 5:30:45
